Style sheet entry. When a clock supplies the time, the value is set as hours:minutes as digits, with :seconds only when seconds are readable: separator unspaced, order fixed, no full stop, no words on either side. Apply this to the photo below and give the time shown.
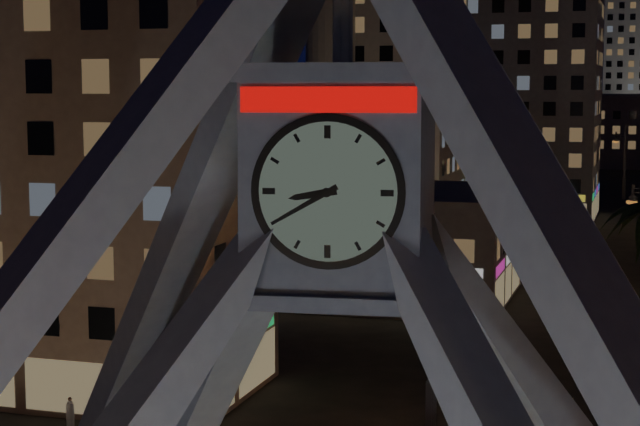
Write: 8:40
